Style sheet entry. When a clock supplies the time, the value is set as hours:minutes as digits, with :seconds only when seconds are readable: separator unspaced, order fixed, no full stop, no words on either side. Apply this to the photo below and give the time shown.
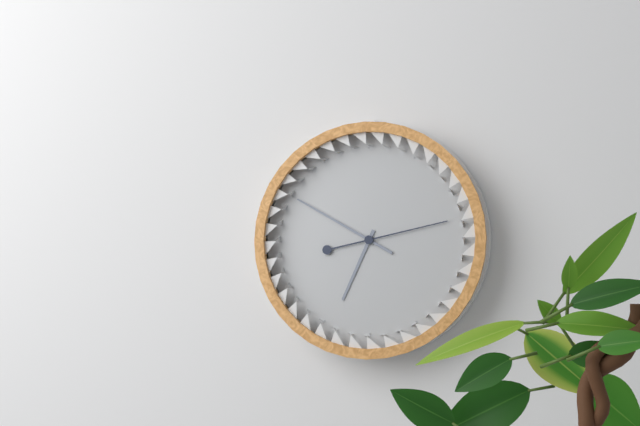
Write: 6:50:13
